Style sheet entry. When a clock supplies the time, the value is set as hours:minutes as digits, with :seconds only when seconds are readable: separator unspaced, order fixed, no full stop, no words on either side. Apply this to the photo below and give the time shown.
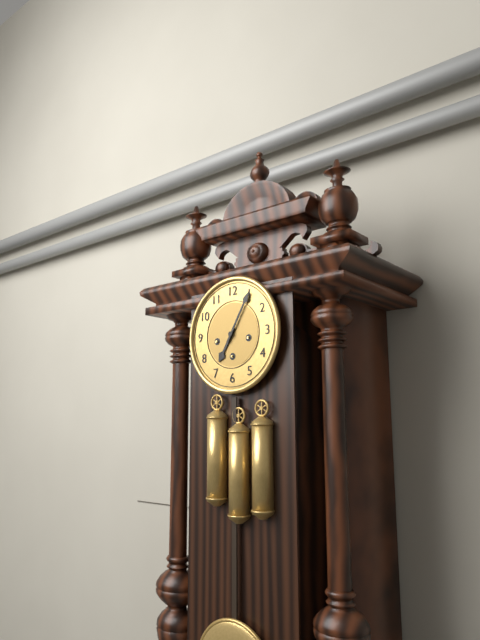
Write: 7:05
